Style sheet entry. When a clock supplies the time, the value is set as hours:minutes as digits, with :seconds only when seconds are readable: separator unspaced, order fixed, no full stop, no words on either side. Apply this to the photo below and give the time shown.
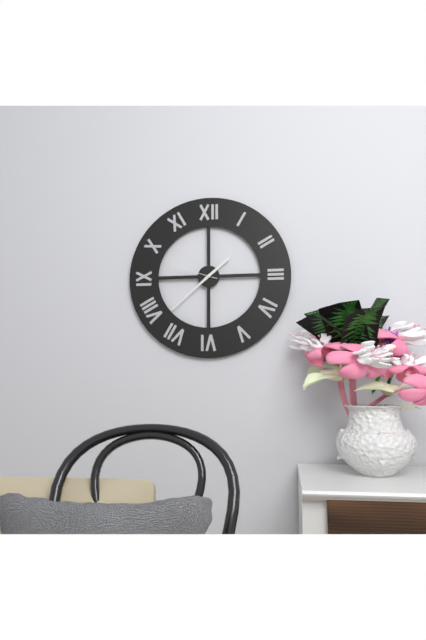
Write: 1:38
